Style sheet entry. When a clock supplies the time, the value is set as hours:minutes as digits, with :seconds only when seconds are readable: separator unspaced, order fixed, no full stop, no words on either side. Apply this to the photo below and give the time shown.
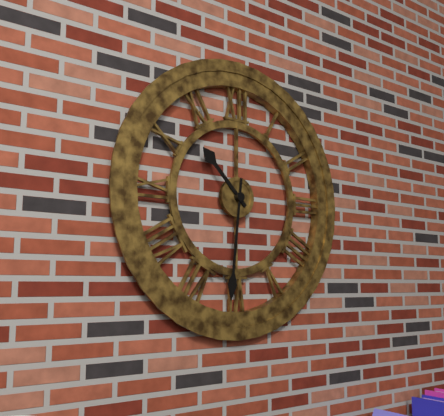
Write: 10:31
